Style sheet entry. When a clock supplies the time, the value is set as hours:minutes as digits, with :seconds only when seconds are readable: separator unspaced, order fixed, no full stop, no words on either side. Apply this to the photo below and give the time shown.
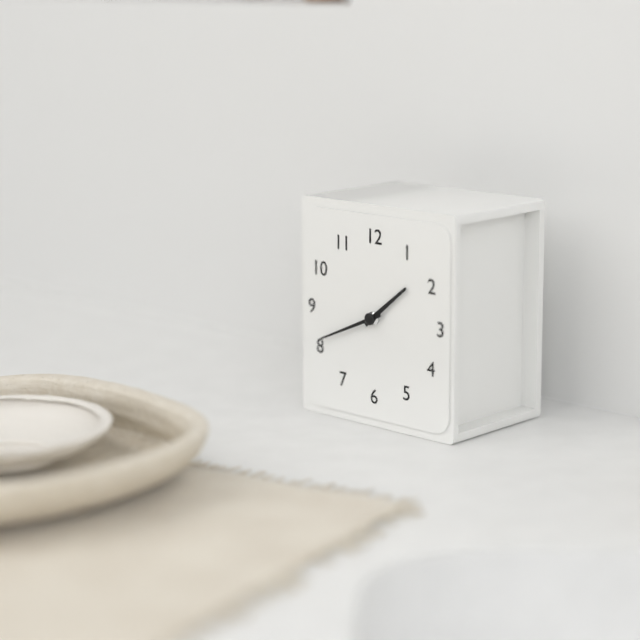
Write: 1:41
